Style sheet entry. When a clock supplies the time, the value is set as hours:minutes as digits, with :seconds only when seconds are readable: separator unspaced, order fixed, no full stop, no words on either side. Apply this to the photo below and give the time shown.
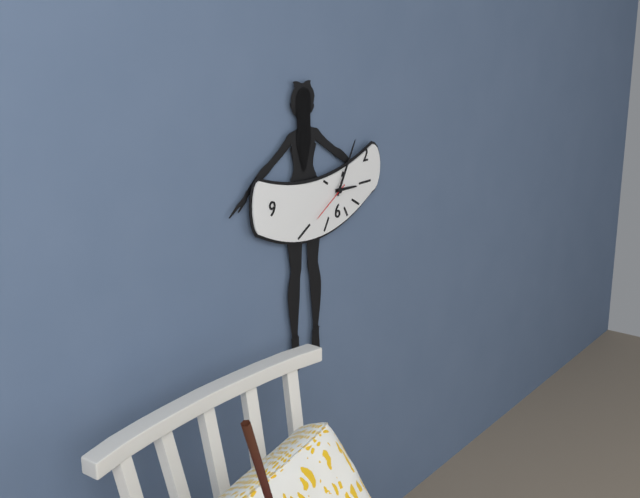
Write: 3:05
